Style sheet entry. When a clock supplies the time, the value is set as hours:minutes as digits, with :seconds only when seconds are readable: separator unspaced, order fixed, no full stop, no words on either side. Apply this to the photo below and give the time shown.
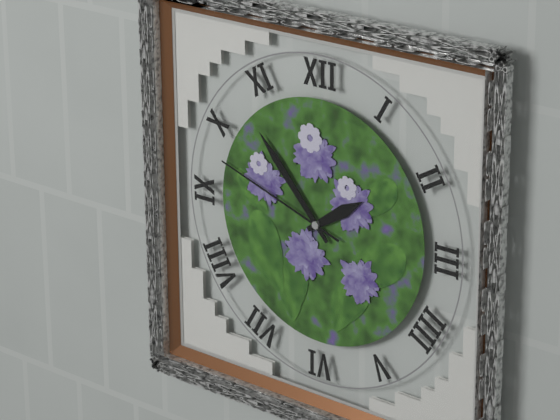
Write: 1:53:48
